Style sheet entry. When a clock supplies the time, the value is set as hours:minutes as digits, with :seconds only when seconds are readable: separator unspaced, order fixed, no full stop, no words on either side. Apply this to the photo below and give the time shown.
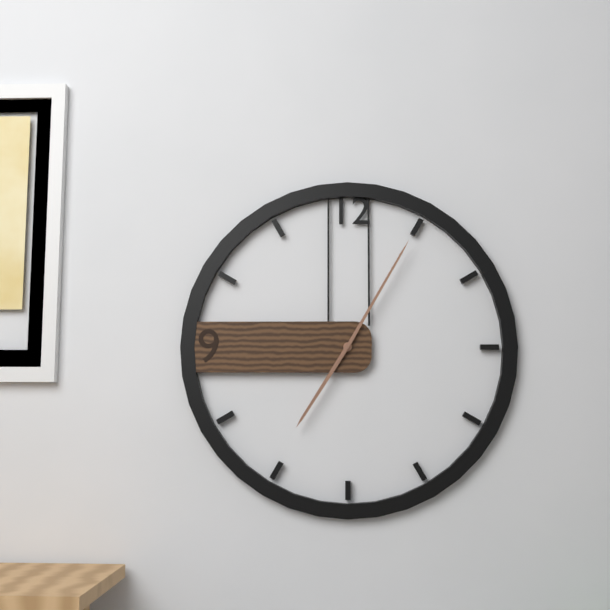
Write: 7:05
